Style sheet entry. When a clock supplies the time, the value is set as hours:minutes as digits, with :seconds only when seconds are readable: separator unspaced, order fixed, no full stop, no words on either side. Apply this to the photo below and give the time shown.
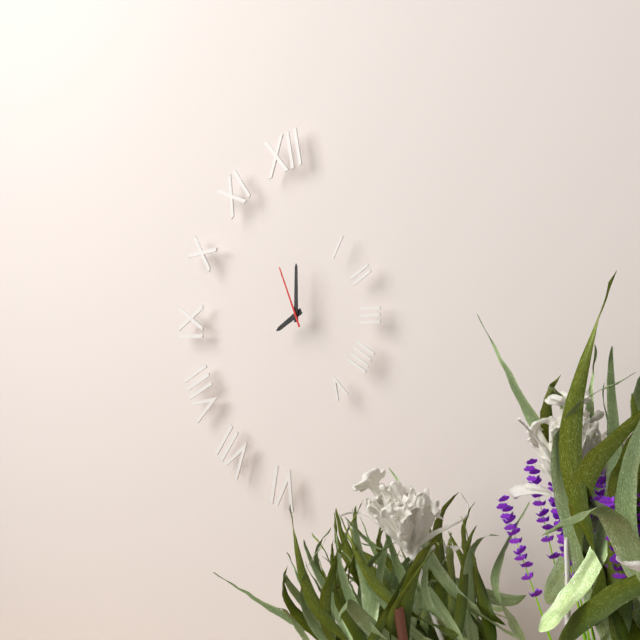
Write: 8:00:56
